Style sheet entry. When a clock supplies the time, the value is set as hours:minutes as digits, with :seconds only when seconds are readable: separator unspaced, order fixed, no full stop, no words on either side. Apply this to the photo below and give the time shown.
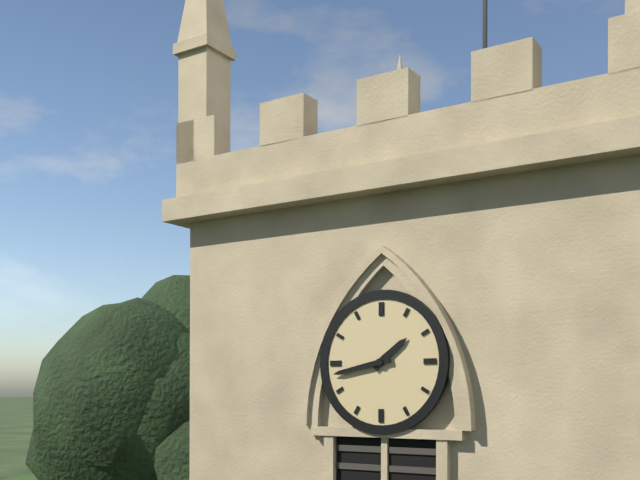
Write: 1:43
